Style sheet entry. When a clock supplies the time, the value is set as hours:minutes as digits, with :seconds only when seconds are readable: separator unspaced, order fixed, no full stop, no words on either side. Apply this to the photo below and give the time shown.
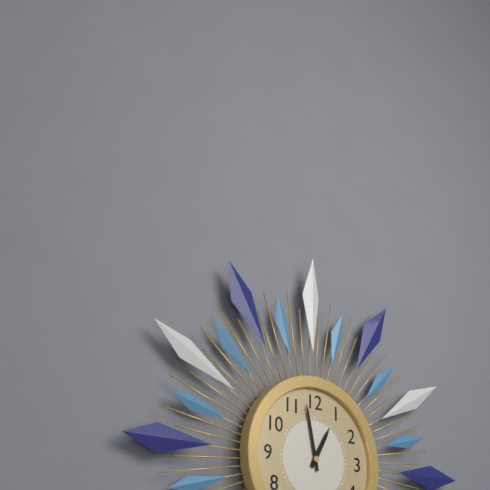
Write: 12:58
